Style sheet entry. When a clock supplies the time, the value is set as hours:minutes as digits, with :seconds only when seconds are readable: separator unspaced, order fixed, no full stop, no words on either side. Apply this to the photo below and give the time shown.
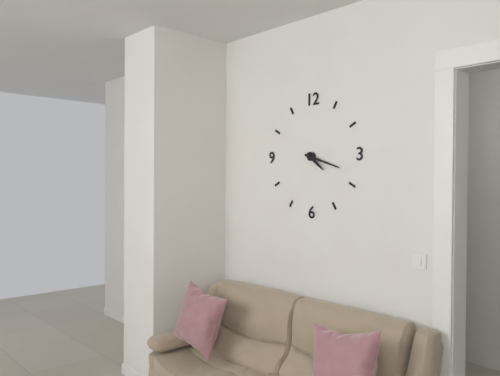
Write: 4:18
